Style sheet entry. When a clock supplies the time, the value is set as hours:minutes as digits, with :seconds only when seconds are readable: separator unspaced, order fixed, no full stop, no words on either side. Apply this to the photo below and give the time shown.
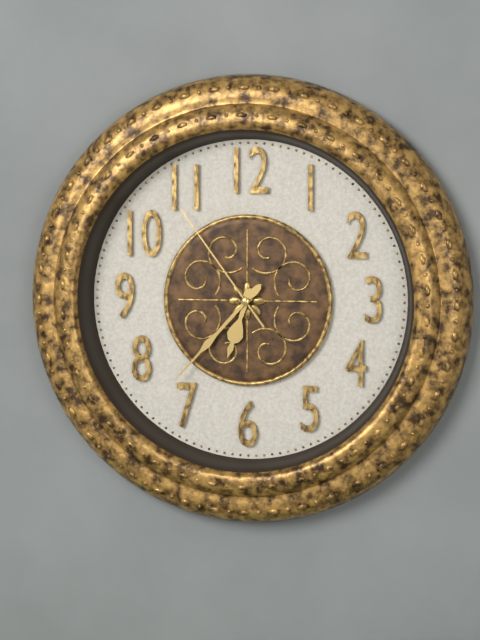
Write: 6:37:54
